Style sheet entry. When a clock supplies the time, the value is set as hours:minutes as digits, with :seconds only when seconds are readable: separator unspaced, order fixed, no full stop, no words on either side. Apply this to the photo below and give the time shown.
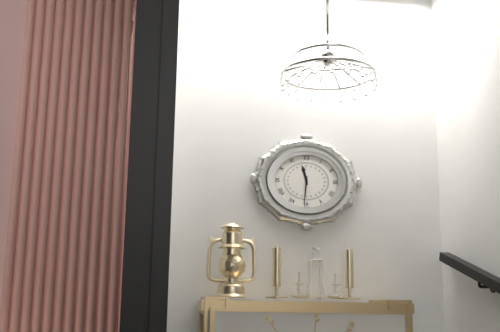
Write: 11:31
